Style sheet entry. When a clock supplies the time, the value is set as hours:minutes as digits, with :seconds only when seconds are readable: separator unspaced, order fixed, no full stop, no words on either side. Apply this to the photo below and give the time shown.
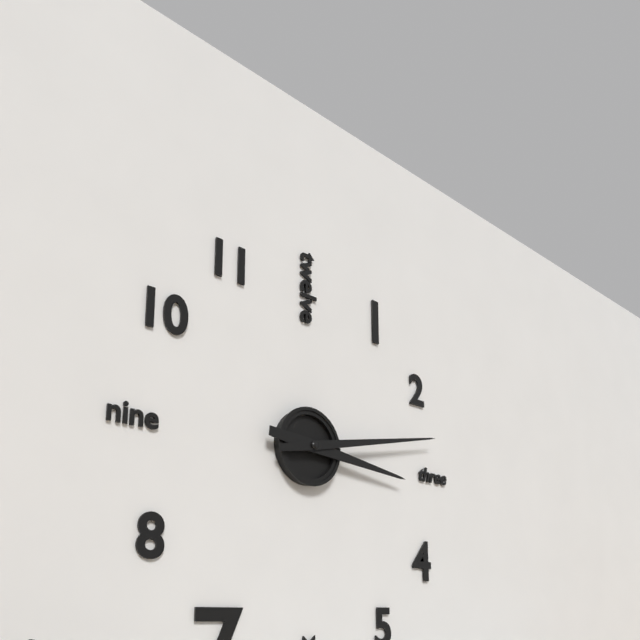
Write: 3:13
